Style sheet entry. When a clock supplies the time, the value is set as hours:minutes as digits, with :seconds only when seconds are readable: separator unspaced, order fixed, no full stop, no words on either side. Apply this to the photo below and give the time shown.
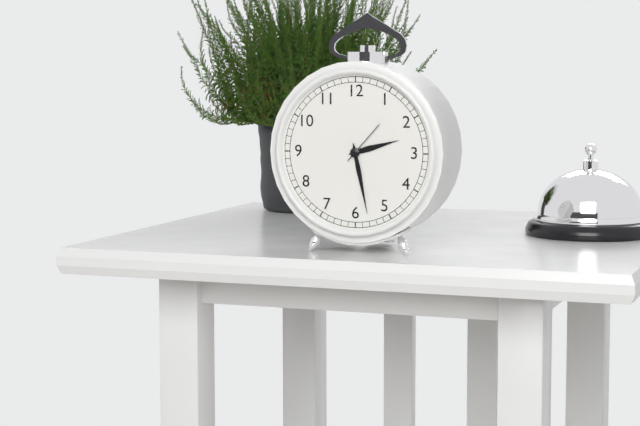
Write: 2:28
